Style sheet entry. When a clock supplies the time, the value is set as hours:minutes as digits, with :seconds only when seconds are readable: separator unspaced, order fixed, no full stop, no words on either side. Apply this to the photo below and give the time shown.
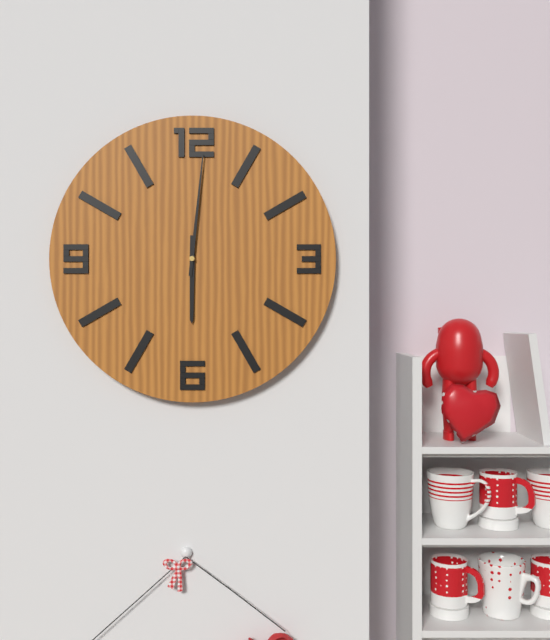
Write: 6:01
